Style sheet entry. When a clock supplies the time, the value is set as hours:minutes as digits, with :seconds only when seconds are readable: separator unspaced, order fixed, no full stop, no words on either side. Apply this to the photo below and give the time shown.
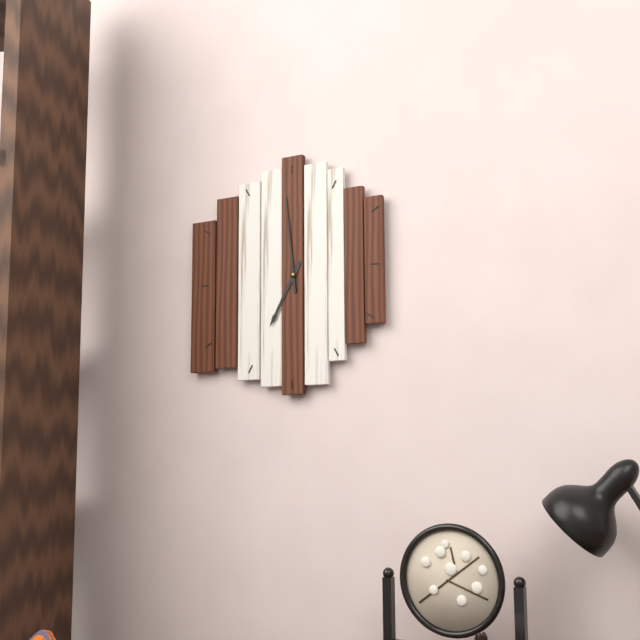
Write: 6:59
